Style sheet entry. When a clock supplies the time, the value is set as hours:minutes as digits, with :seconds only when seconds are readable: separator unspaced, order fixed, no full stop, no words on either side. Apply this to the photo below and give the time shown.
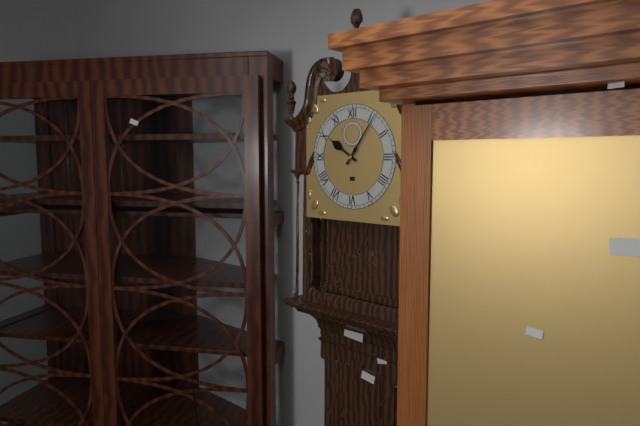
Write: 10:06
